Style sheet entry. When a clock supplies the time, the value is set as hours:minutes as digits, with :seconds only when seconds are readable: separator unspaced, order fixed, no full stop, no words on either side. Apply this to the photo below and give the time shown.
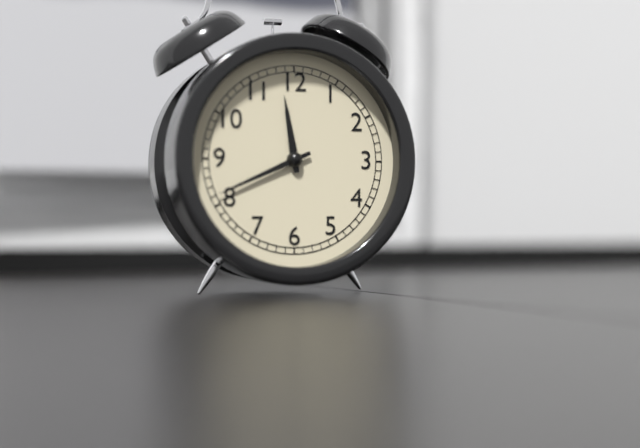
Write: 11:41
